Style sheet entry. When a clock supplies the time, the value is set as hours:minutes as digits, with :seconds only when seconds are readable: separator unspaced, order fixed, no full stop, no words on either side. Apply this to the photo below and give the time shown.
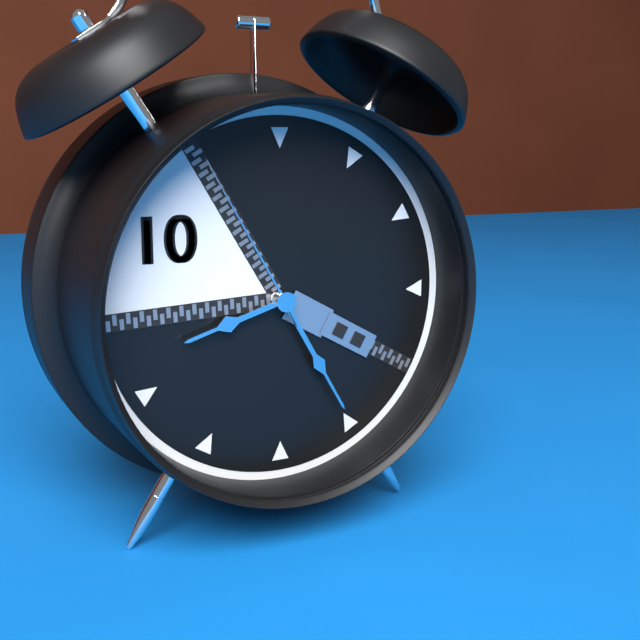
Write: 8:25:55
